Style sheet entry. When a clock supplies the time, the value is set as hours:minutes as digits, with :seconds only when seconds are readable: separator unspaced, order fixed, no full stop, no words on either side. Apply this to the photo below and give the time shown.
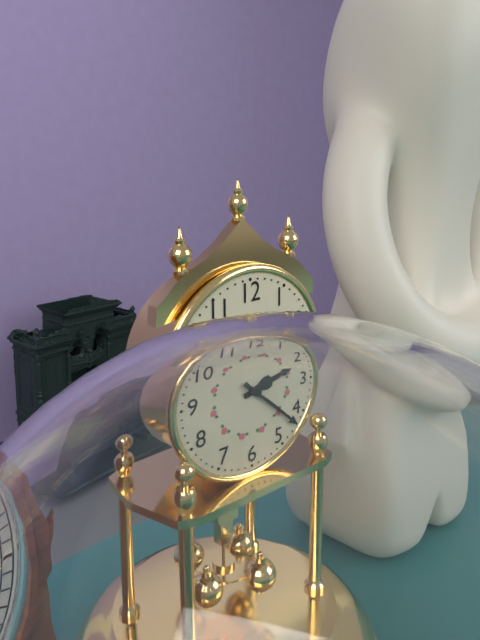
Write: 2:22
